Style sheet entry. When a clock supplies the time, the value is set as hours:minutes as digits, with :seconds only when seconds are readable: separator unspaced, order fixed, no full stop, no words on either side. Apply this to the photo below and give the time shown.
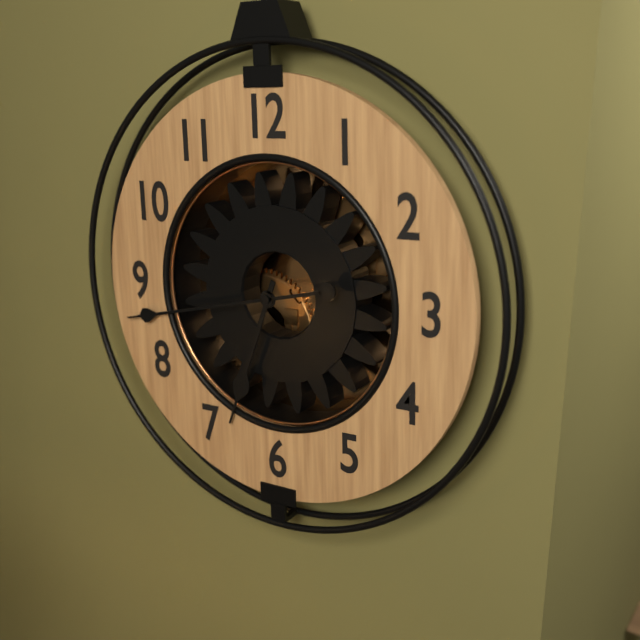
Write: 6:43
